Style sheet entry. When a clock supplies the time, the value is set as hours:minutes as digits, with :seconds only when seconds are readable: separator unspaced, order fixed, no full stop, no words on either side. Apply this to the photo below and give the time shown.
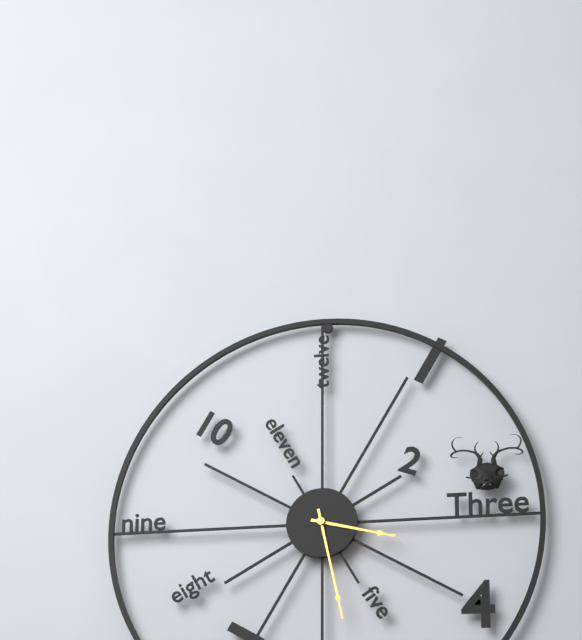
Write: 3:28
